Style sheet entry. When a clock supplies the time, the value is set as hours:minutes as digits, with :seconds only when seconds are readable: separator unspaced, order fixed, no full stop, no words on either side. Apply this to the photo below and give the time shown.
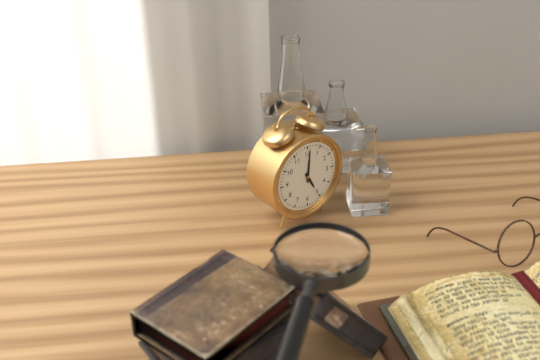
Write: 5:01
